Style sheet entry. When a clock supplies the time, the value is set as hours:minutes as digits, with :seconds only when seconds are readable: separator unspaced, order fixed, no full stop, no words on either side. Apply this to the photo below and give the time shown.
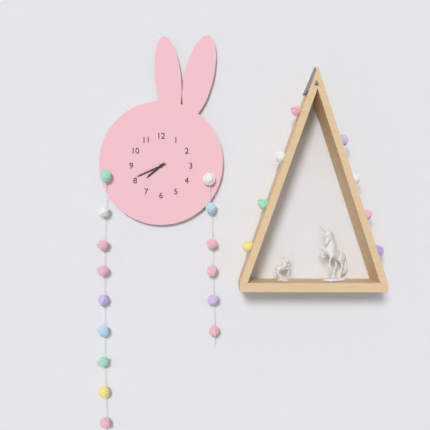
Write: 7:41
